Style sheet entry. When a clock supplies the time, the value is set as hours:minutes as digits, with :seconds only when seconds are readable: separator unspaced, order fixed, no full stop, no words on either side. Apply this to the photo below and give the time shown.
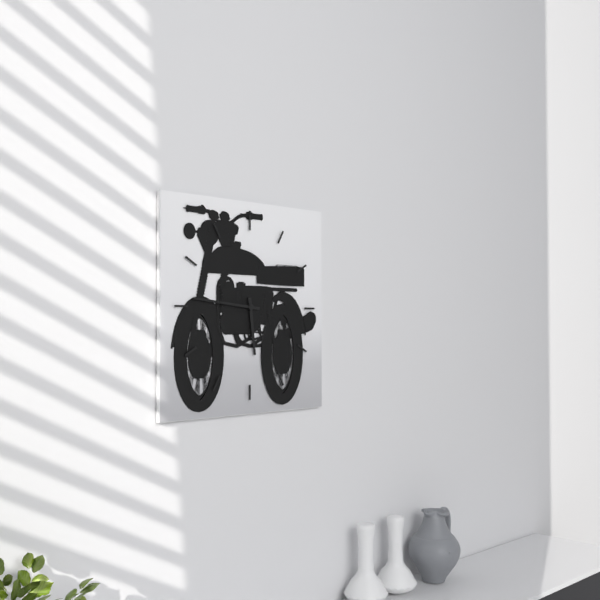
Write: 5:46
